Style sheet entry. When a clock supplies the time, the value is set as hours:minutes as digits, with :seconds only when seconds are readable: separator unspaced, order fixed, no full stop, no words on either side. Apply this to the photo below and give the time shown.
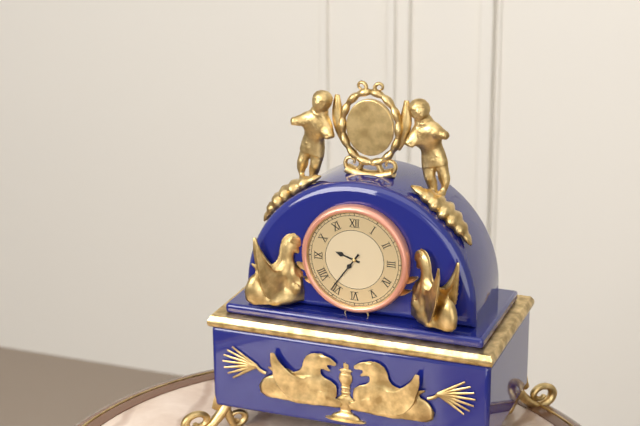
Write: 9:36
